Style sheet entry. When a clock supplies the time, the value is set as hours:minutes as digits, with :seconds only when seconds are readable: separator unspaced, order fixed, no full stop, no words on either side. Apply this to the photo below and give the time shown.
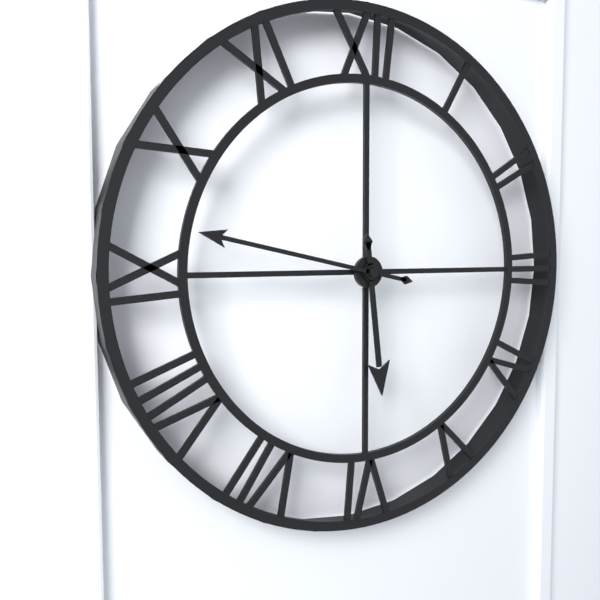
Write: 5:47
